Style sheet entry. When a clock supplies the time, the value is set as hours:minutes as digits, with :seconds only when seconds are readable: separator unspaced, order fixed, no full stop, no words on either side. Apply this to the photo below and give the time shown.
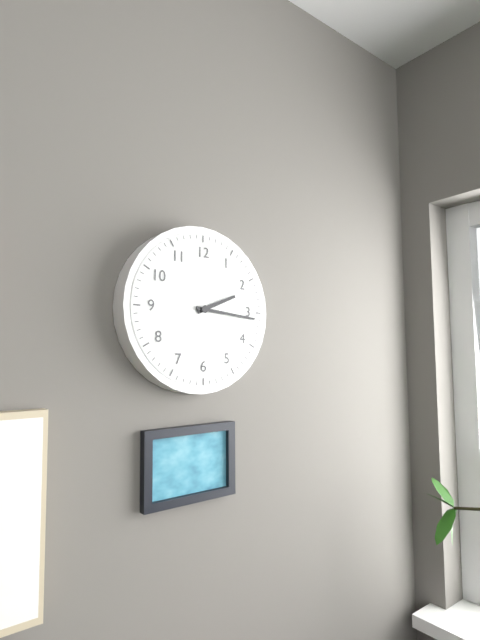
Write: 2:16
